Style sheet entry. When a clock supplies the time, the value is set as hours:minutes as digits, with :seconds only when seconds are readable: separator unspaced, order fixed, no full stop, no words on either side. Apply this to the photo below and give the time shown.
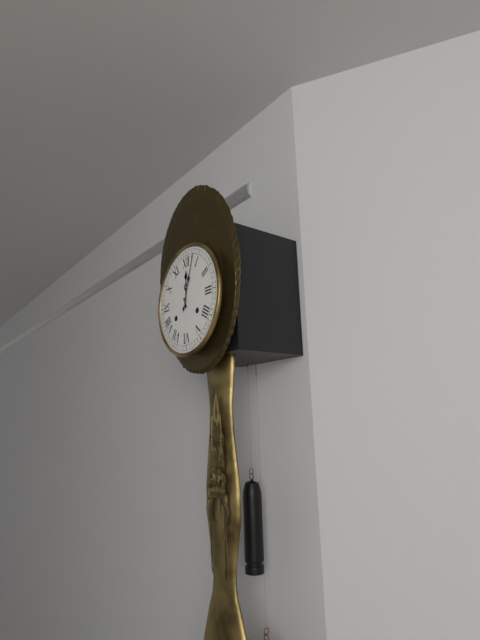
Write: 12:03
